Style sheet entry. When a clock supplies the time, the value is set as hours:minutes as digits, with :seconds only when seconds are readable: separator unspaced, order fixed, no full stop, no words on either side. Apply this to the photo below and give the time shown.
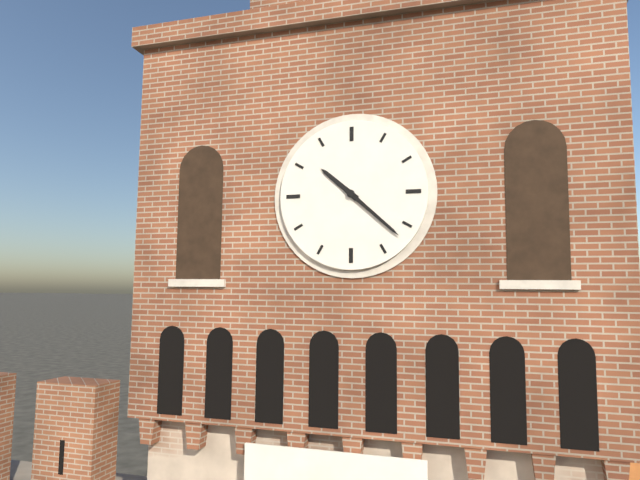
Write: 10:22
